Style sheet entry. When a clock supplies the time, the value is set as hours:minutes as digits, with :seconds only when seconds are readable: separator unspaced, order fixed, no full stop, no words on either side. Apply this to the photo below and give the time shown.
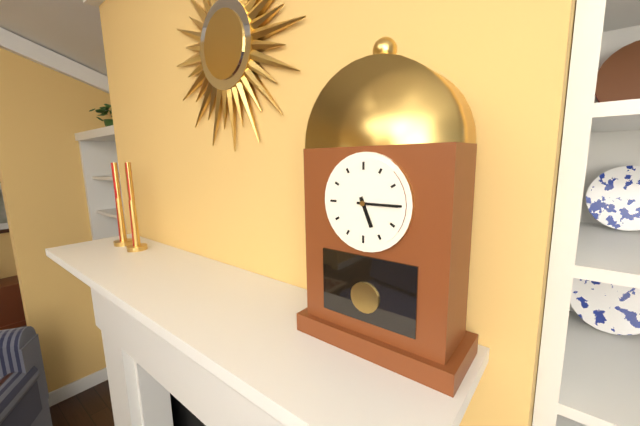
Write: 5:15
